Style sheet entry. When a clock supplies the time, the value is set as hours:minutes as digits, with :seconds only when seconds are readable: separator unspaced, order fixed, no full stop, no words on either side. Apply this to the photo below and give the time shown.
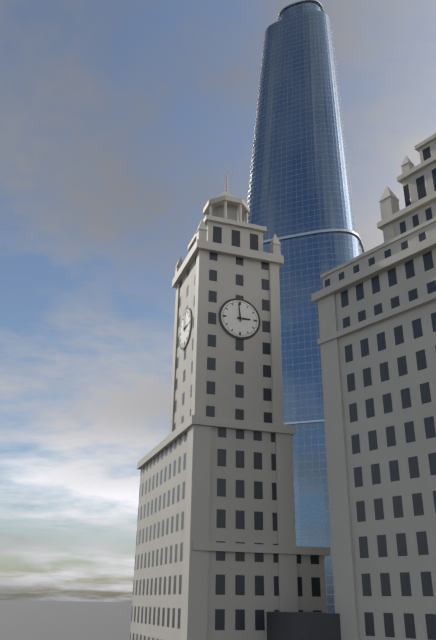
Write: 2:59
